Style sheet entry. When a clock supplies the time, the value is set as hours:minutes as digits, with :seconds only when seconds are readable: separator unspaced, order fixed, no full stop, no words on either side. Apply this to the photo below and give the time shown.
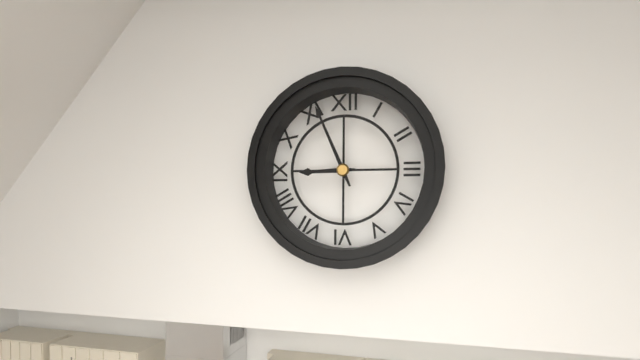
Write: 8:56
